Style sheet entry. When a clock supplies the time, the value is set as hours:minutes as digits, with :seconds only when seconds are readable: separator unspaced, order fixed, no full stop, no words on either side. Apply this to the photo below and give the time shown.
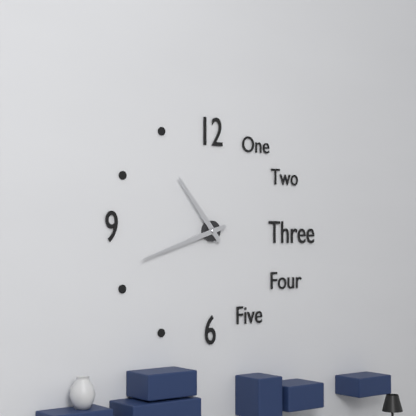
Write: 10:42
